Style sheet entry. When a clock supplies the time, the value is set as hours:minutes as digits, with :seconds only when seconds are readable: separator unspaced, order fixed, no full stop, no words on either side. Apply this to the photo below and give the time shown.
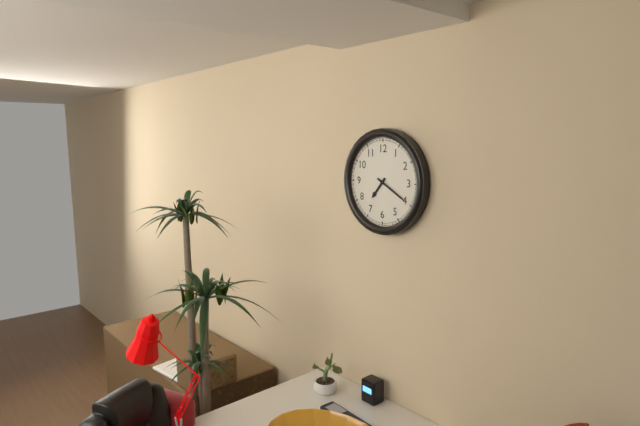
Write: 7:20
